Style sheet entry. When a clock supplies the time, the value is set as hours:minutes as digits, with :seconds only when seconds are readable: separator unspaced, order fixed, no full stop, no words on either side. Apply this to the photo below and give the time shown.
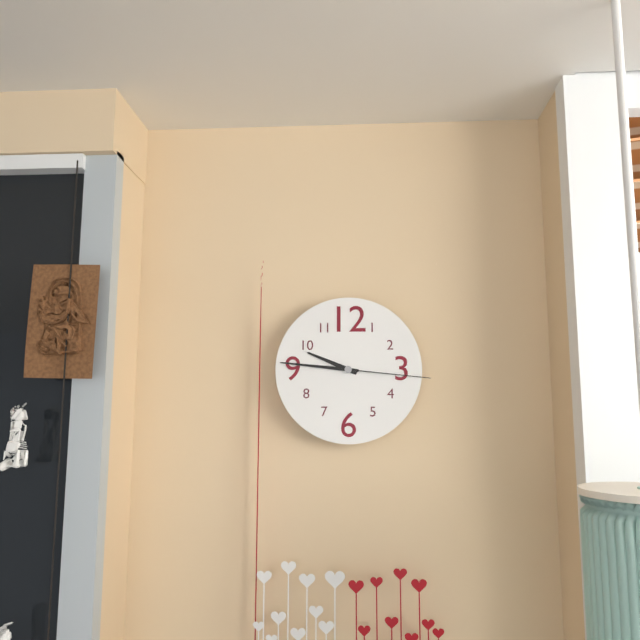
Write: 9:46:16
